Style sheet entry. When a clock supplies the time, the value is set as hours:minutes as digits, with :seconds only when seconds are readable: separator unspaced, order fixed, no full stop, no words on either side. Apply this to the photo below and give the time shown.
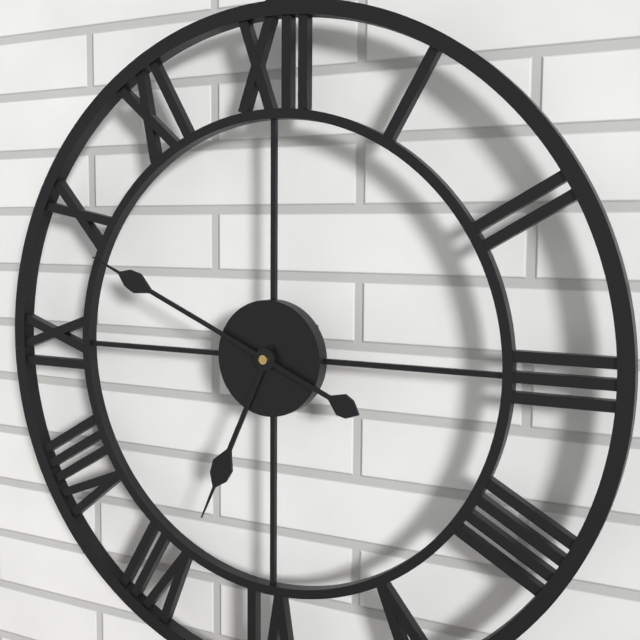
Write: 6:49
